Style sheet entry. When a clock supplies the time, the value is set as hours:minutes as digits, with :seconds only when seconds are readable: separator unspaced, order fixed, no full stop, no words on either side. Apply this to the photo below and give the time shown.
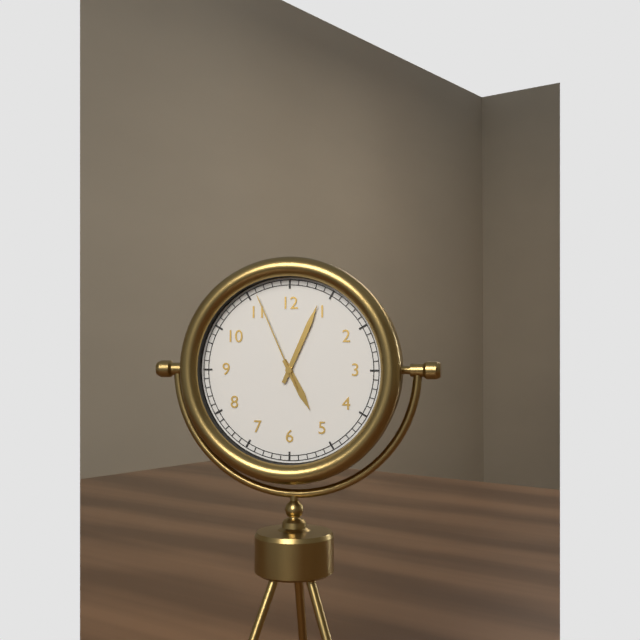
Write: 5:04:56
